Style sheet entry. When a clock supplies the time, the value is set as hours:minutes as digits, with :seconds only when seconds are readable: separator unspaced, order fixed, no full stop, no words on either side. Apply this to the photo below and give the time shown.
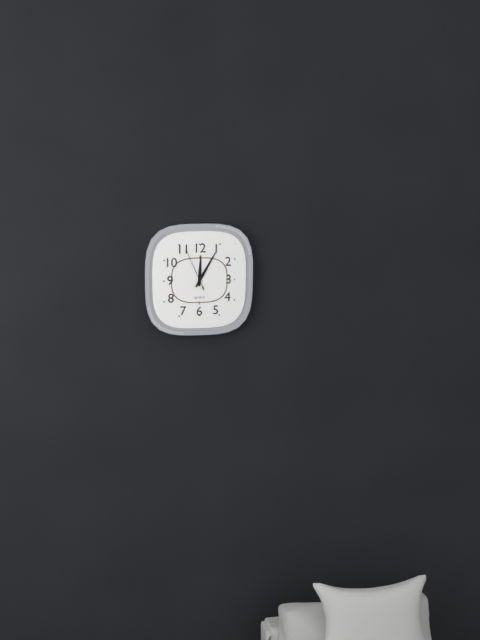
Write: 12:05
